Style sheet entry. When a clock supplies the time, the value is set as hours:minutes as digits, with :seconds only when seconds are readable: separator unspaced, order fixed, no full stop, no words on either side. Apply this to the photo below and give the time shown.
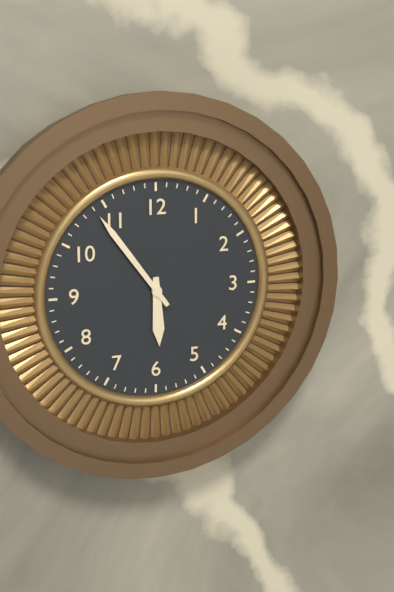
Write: 5:54
